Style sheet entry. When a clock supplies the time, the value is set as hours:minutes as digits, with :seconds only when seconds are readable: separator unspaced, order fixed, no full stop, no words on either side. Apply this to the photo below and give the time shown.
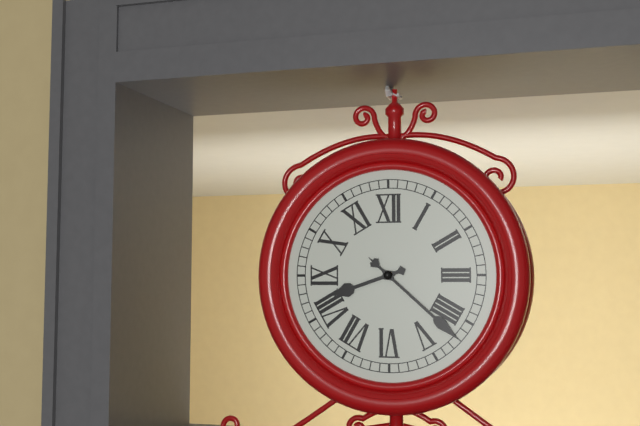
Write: 8:22
